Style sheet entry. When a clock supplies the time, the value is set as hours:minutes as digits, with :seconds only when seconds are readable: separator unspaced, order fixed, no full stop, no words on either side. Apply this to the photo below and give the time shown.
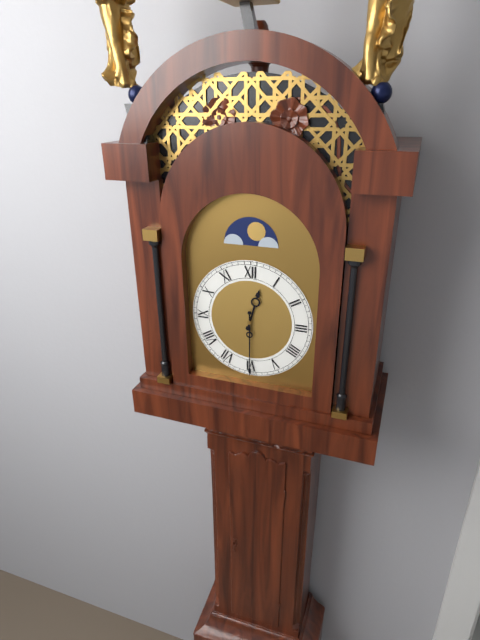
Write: 12:30
